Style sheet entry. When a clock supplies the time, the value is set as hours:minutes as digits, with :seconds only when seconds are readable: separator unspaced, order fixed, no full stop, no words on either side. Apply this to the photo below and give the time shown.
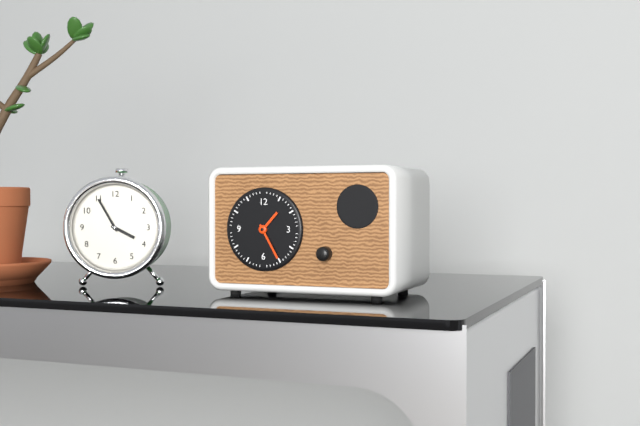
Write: 1:25
